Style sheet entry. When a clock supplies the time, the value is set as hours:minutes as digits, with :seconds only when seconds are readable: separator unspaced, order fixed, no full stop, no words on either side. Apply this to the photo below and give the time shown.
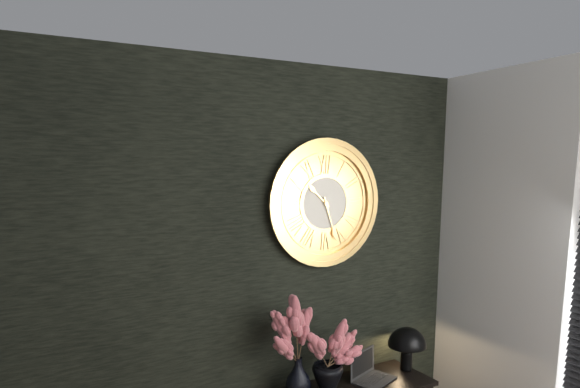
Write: 10:27
